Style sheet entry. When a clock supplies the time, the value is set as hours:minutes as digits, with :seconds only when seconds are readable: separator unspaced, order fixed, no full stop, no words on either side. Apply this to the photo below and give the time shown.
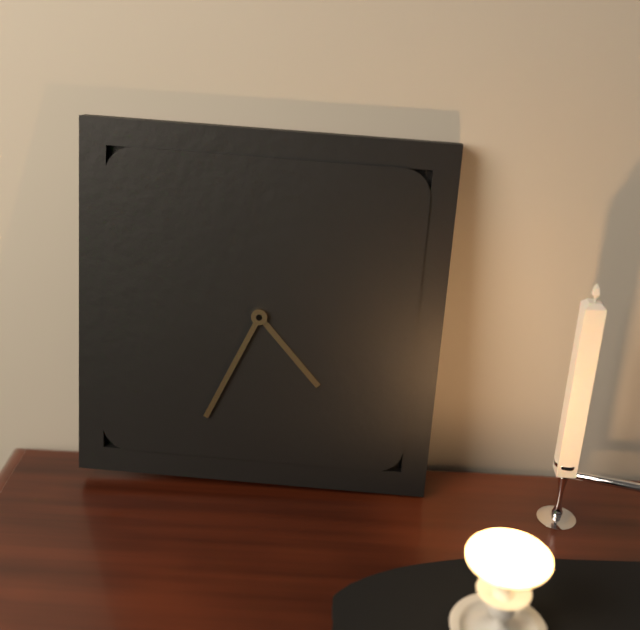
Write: 4:34
